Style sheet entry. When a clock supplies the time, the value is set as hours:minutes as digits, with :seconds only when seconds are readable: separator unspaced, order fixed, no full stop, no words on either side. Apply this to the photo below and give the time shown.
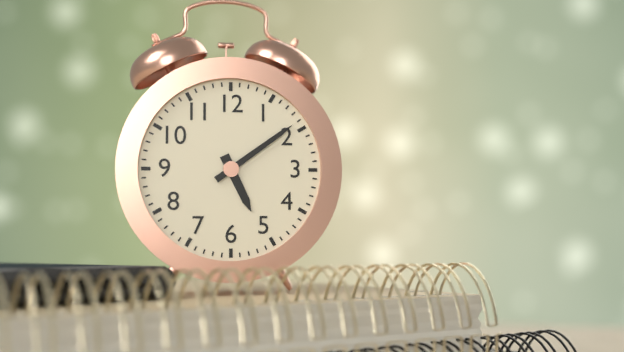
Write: 5:09
